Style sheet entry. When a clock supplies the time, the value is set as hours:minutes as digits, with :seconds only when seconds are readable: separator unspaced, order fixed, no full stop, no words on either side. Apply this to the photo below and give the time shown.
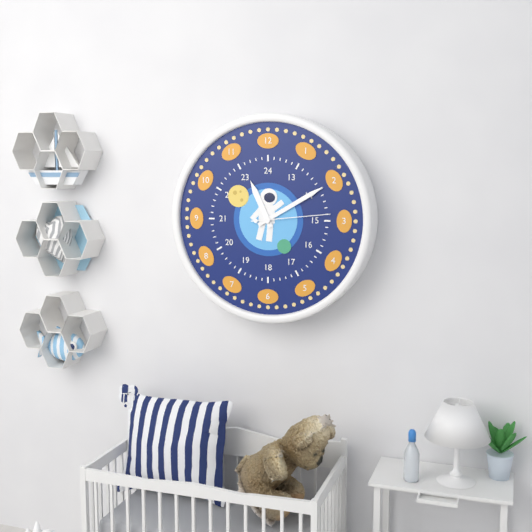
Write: 11:10:14
